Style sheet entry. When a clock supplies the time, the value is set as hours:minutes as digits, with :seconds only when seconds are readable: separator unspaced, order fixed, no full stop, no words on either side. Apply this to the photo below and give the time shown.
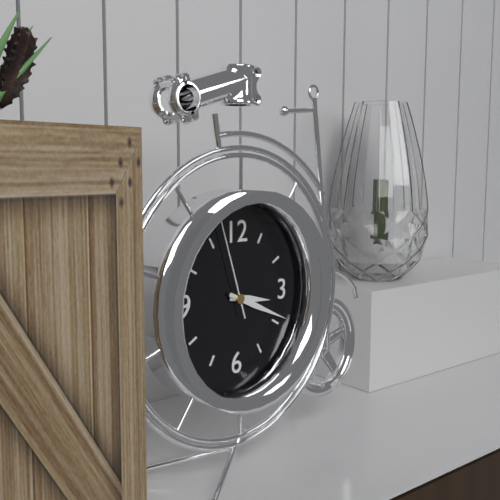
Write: 3:19:57
